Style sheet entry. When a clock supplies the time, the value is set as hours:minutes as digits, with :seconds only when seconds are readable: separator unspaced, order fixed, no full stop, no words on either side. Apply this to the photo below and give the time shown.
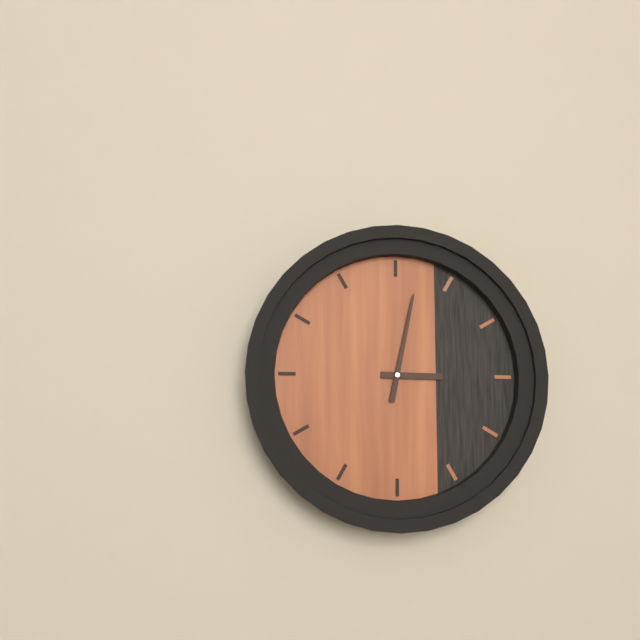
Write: 3:02
